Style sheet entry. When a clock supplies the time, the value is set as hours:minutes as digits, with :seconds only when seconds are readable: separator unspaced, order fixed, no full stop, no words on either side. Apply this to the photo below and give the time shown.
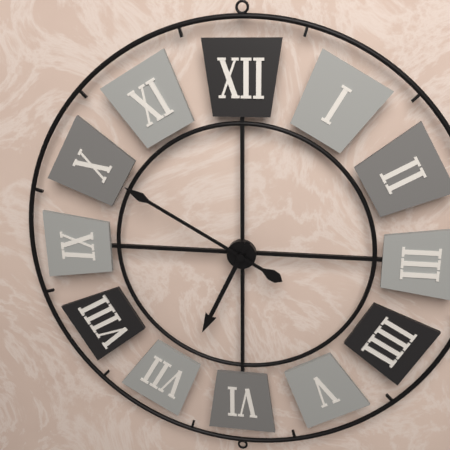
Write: 6:50
